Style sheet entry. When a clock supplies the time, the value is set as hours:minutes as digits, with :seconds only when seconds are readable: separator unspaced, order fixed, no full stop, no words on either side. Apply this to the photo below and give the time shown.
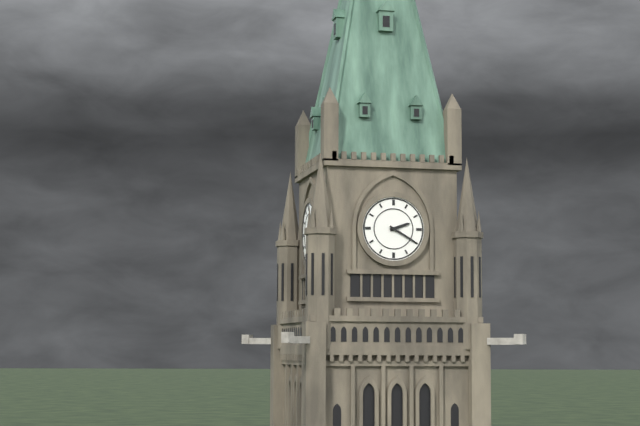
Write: 2:20
